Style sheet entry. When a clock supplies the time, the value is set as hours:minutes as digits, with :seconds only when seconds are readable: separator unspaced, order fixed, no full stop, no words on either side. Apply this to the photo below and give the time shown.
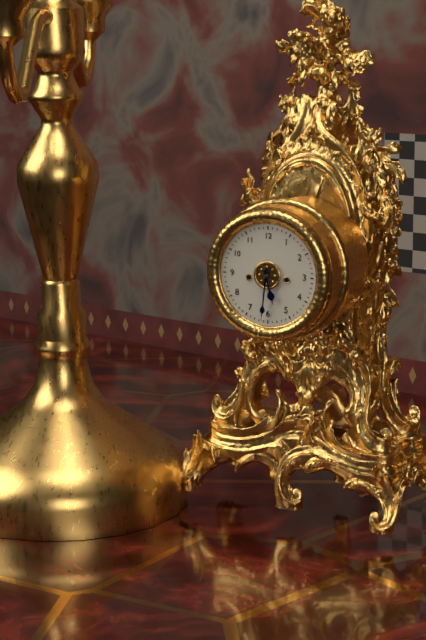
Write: 5:31
